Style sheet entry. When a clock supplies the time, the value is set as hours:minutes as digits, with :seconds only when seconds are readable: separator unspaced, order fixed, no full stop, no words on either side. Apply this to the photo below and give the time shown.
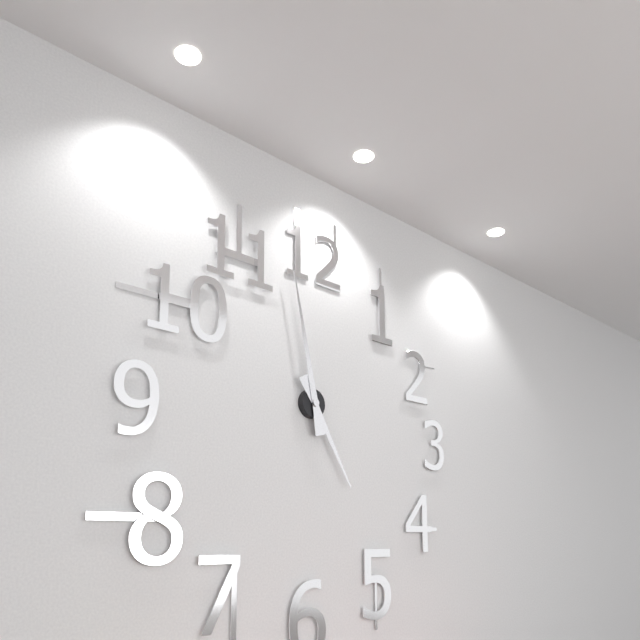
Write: 4:58
